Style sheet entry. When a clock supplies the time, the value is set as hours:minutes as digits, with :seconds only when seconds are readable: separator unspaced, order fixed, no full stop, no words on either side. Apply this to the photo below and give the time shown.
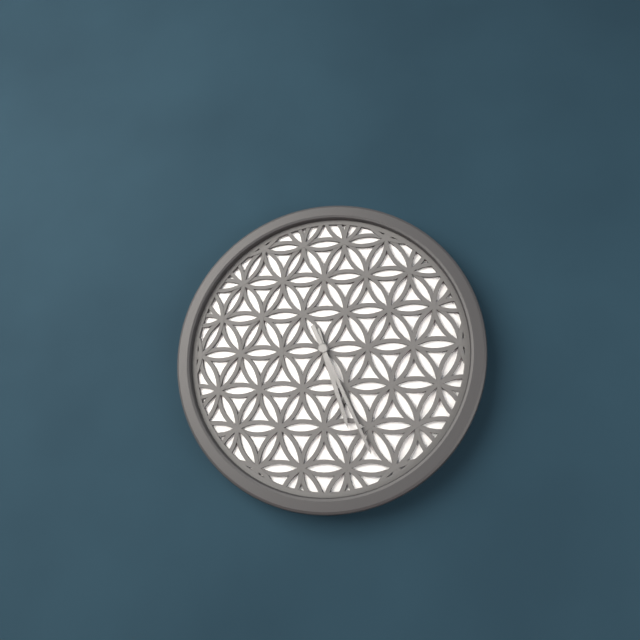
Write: 5:26
